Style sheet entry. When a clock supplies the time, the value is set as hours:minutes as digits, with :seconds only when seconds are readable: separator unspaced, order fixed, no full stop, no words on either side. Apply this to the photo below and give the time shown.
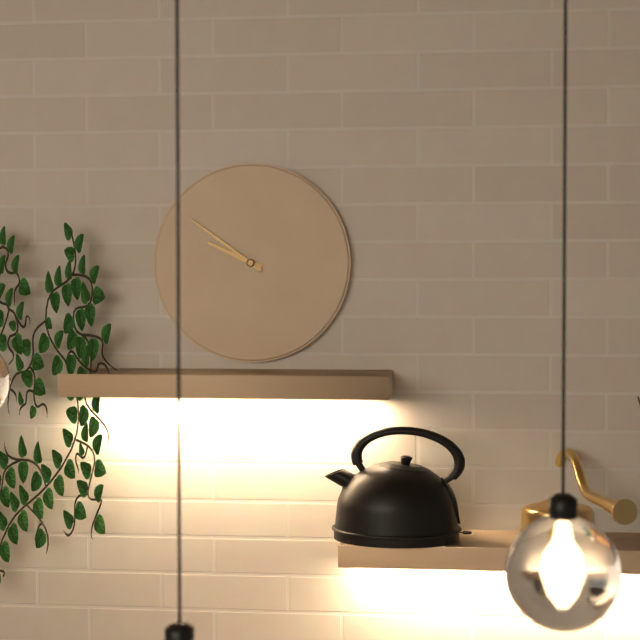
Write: 9:51
